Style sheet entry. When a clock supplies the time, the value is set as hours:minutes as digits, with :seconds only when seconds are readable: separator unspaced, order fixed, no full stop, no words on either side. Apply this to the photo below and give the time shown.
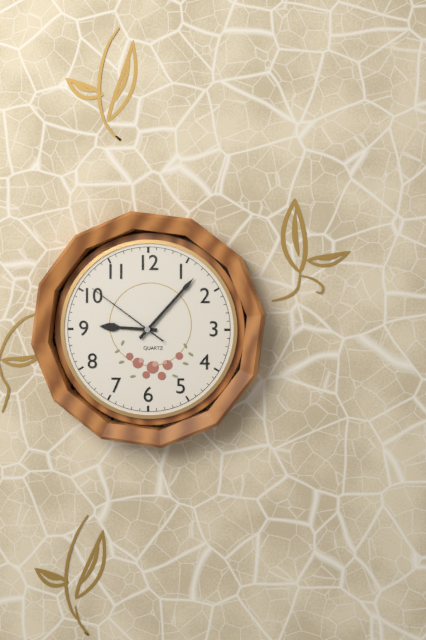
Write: 9:07:51
